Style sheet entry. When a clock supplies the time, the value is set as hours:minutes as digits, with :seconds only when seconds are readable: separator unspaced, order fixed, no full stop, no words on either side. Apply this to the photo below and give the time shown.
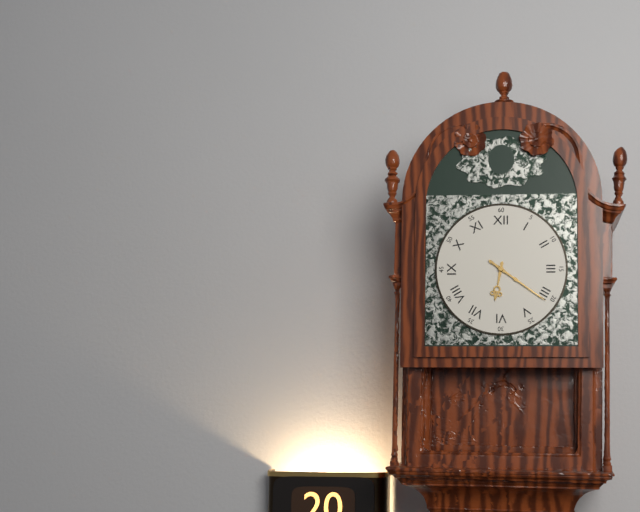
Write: 6:21
